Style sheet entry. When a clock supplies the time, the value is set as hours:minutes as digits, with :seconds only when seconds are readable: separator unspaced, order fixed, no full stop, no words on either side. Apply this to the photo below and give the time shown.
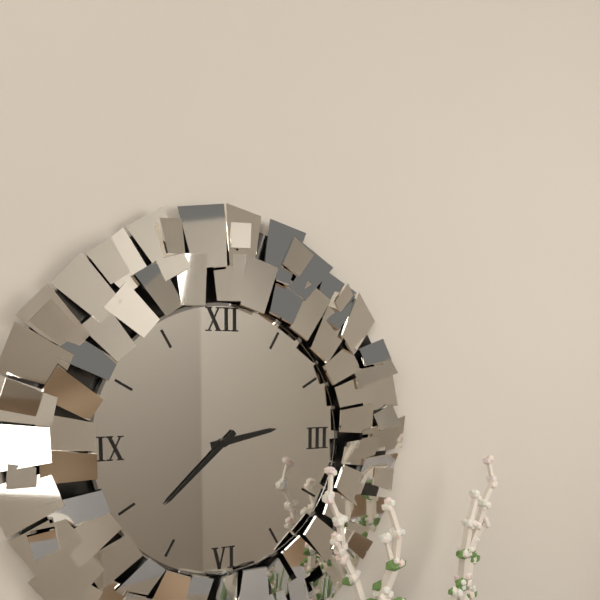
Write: 2:38
